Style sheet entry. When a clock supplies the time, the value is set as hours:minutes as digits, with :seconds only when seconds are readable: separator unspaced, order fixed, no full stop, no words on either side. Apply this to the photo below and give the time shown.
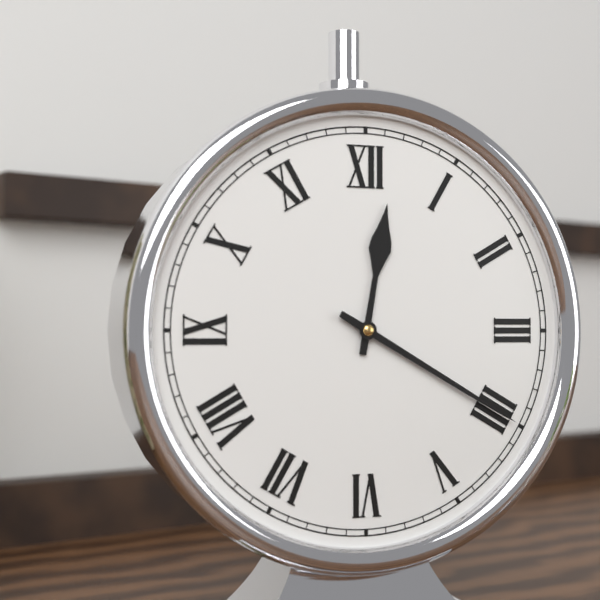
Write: 12:20
